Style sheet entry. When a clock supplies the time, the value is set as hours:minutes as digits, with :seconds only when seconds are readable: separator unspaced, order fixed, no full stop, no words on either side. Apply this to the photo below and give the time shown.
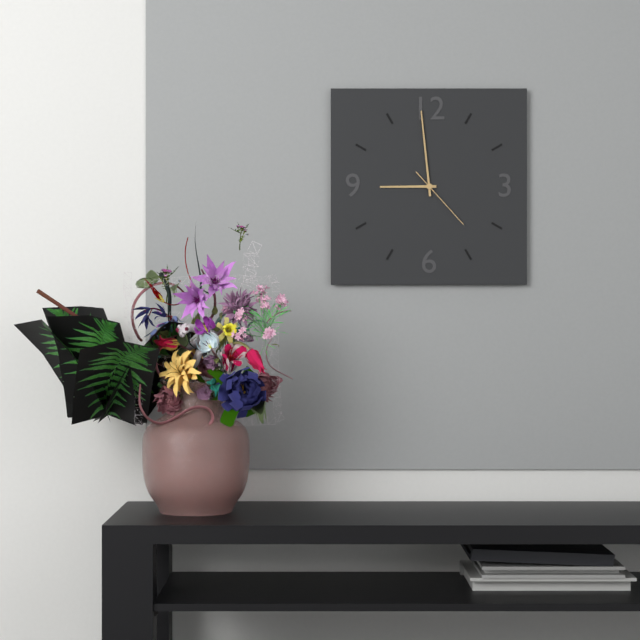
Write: 8:59:23
